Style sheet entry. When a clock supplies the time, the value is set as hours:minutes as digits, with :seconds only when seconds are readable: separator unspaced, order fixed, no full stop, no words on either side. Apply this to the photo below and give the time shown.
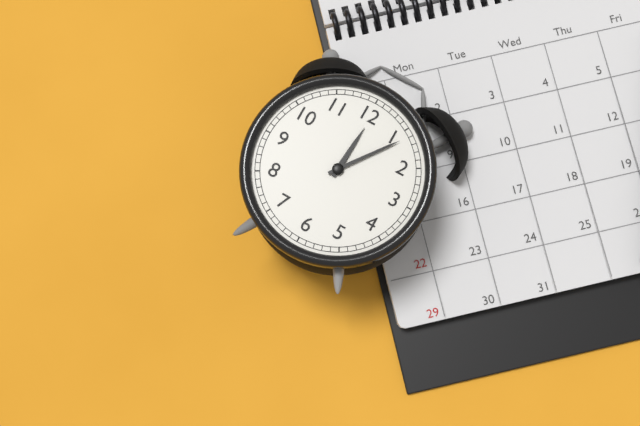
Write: 12:06
